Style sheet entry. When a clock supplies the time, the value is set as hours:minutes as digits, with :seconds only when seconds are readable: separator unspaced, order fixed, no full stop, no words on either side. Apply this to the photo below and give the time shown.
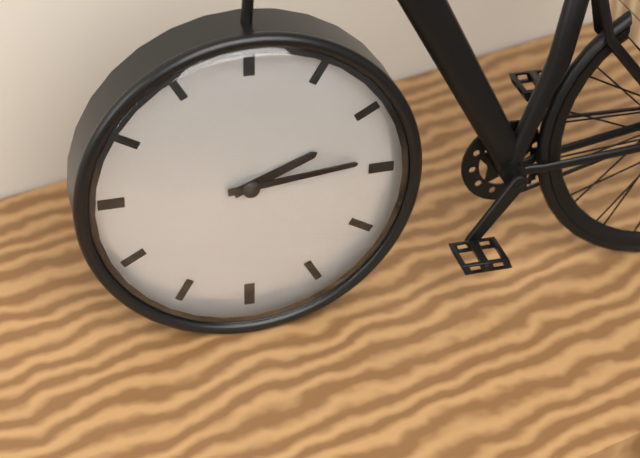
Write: 2:14
